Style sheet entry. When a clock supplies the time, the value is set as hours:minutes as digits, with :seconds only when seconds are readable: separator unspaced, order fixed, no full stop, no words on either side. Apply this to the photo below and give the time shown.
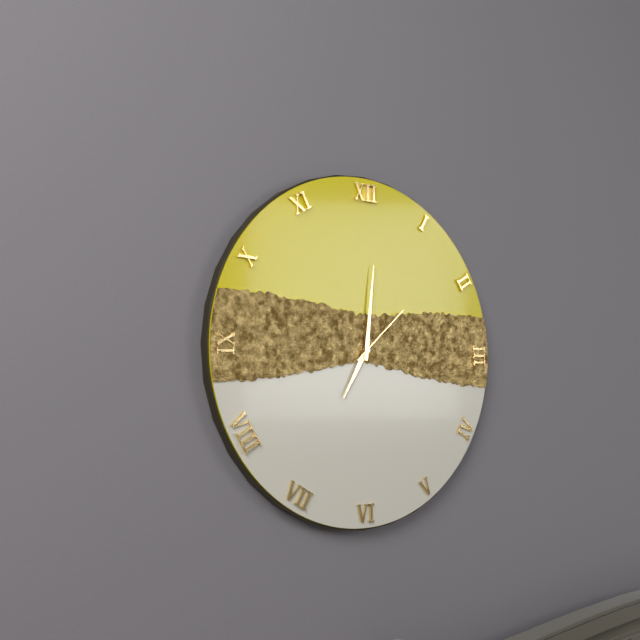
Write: 7:01:08
